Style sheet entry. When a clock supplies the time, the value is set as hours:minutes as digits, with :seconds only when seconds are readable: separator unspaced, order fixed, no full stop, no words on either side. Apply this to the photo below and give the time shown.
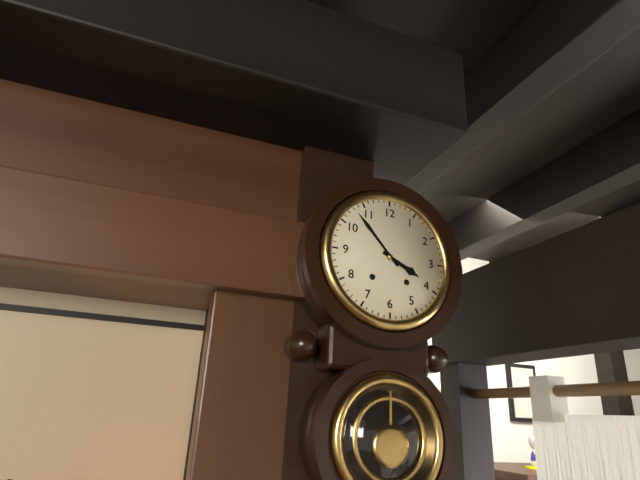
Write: 3:53
